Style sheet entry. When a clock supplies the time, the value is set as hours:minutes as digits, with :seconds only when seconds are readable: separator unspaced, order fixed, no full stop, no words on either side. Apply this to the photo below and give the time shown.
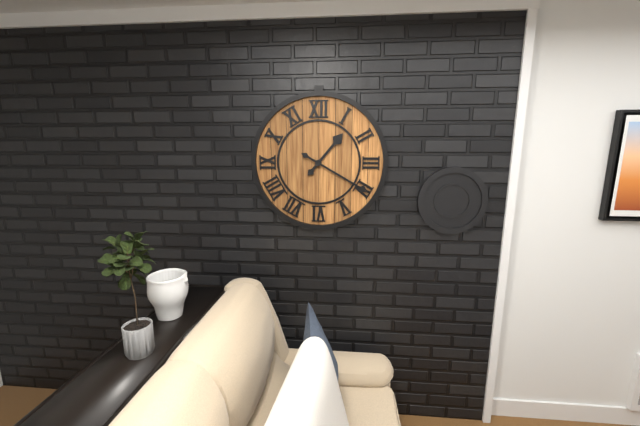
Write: 1:20
